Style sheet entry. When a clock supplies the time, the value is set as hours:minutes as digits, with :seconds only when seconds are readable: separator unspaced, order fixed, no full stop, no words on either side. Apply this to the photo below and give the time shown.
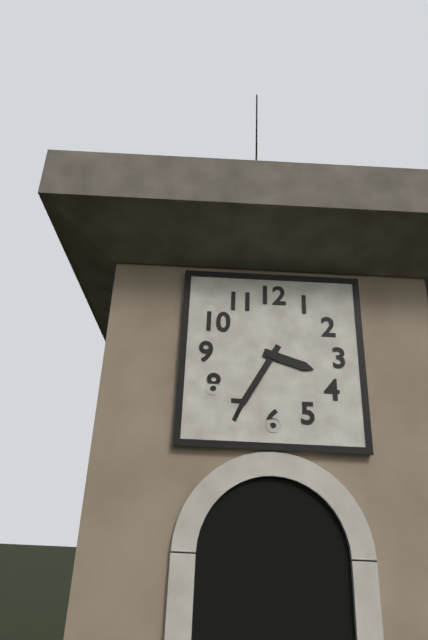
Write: 3:35
